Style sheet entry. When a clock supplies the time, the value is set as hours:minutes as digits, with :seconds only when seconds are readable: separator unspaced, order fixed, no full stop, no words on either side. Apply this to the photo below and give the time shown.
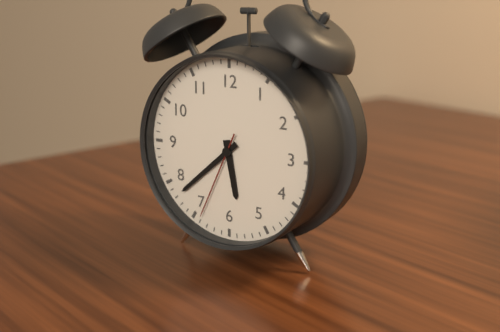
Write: 5:38:34
